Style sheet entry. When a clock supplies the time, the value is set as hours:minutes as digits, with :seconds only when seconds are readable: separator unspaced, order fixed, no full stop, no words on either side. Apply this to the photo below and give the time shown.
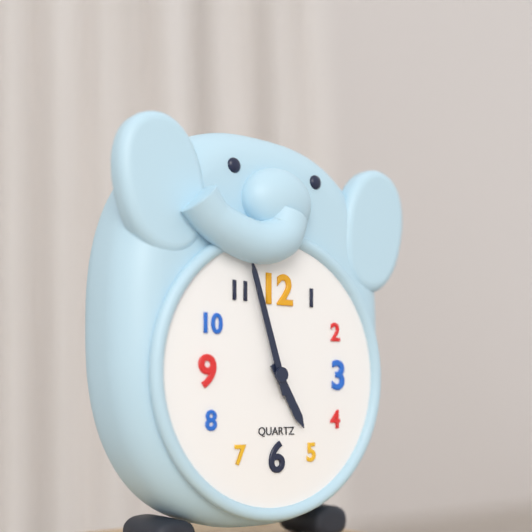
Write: 4:57
